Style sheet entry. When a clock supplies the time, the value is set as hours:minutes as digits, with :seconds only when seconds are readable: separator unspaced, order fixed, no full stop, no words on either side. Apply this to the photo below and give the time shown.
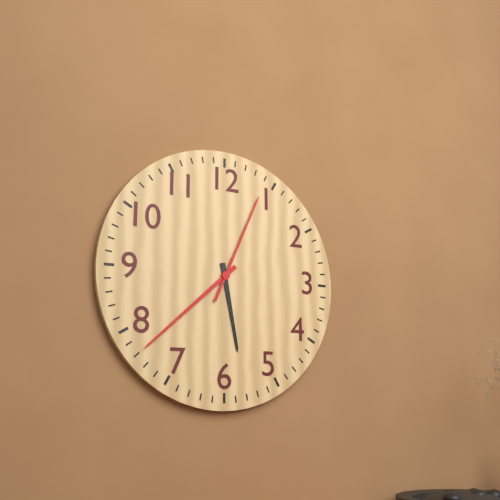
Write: 5:38:04
